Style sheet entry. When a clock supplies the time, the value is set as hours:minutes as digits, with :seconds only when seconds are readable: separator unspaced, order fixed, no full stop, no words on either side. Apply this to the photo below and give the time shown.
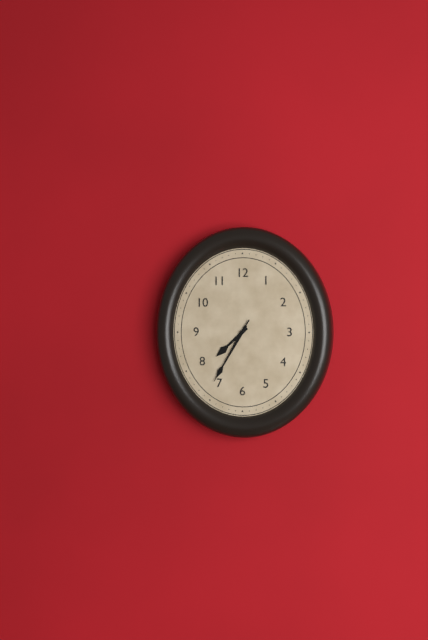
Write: 7:35:35
